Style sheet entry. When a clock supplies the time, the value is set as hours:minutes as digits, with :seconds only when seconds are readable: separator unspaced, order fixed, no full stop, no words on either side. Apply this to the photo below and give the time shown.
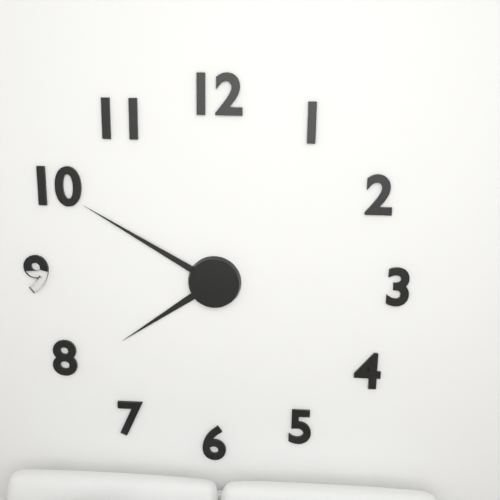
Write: 7:50
